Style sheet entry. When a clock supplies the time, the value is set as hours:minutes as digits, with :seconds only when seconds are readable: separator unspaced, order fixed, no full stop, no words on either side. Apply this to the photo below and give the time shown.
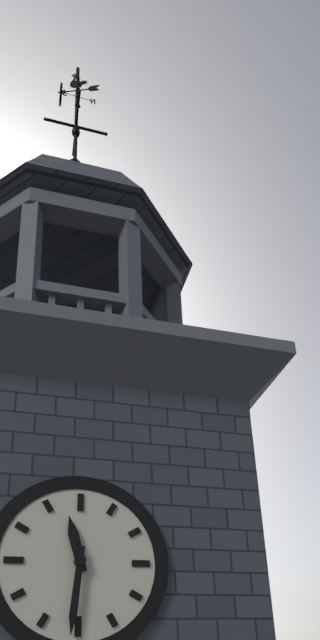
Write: 11:31
